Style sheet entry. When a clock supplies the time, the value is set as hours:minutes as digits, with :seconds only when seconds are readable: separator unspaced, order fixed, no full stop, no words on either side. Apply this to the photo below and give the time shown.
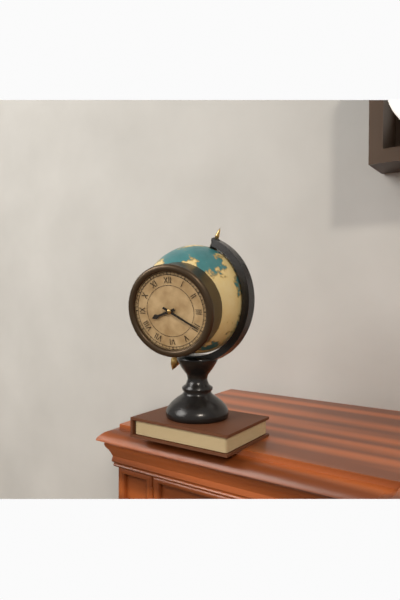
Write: 8:20
